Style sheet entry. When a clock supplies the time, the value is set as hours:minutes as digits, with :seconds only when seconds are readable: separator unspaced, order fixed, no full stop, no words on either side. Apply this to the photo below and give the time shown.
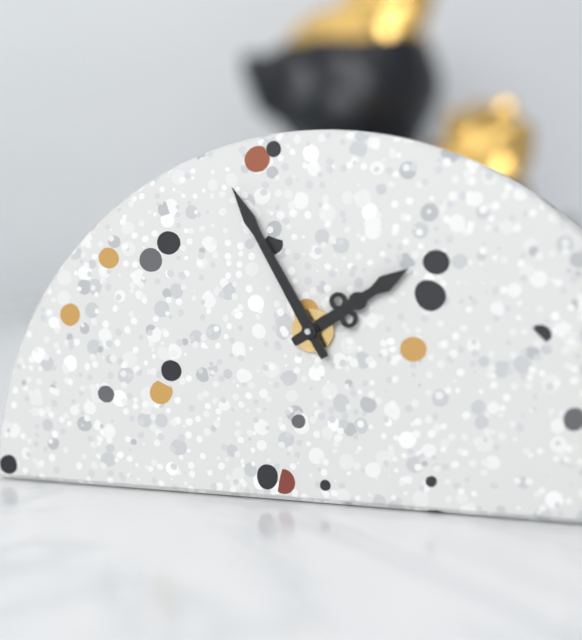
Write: 1:55
